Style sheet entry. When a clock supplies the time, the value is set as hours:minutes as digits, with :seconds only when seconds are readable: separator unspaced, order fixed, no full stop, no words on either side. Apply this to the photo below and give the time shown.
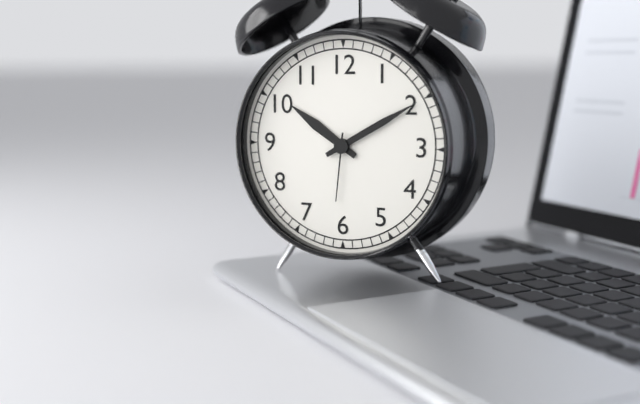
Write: 10:10:31
